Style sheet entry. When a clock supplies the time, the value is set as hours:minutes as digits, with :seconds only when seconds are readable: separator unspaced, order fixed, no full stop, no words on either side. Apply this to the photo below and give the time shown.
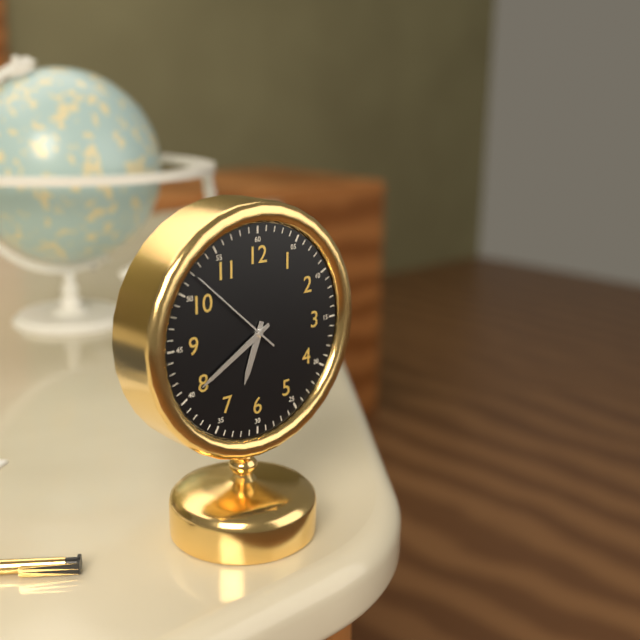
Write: 6:40:52
